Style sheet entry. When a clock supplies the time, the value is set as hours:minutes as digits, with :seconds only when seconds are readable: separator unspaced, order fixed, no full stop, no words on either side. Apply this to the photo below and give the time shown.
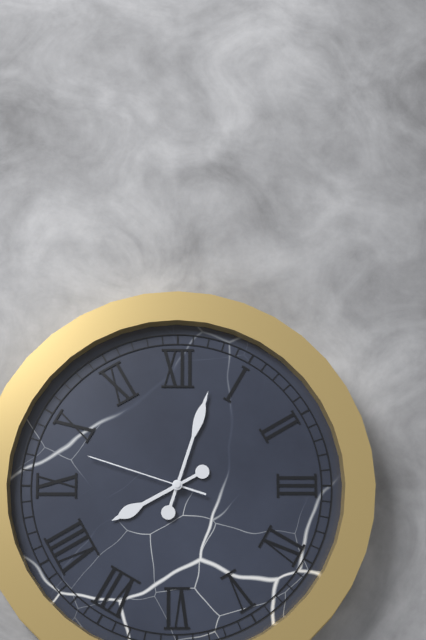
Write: 8:03:48
